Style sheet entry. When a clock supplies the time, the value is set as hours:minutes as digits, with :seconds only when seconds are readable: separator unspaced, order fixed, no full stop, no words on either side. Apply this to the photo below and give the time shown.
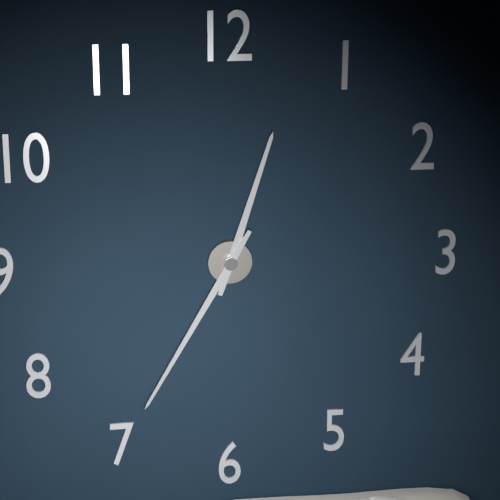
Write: 12:35
